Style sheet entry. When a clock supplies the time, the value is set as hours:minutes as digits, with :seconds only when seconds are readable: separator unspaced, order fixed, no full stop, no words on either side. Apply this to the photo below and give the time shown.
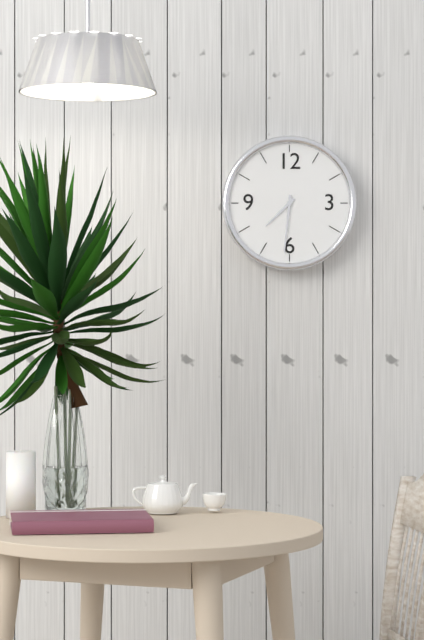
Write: 7:31
